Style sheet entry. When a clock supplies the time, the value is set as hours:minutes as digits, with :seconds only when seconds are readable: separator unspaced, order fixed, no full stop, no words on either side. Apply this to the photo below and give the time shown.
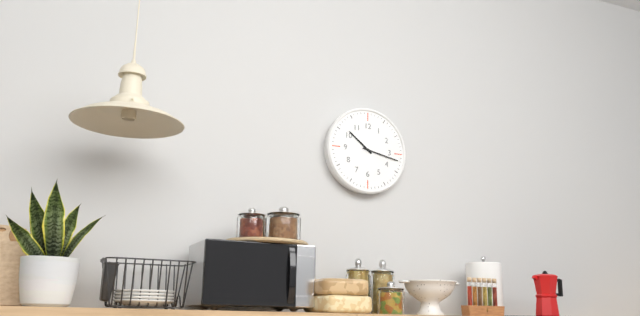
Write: 10:17
